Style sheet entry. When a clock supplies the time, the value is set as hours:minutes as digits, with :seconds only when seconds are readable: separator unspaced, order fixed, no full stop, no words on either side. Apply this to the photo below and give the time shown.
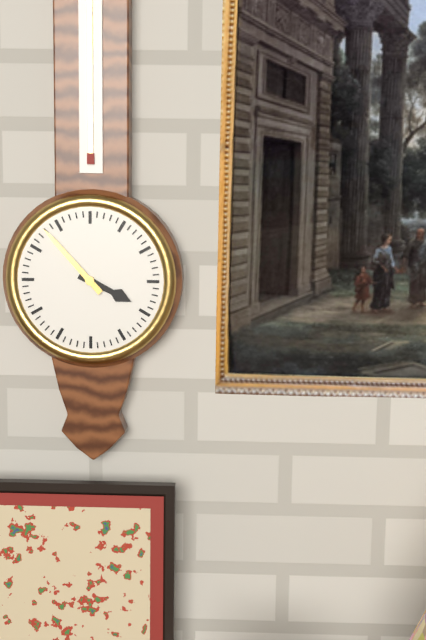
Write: 3:53
